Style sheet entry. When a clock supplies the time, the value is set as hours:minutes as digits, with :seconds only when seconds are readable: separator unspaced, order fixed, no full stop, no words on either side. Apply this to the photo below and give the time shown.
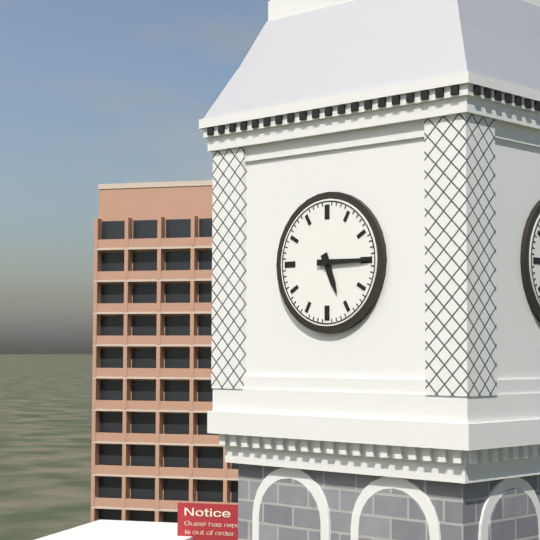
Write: 5:15
